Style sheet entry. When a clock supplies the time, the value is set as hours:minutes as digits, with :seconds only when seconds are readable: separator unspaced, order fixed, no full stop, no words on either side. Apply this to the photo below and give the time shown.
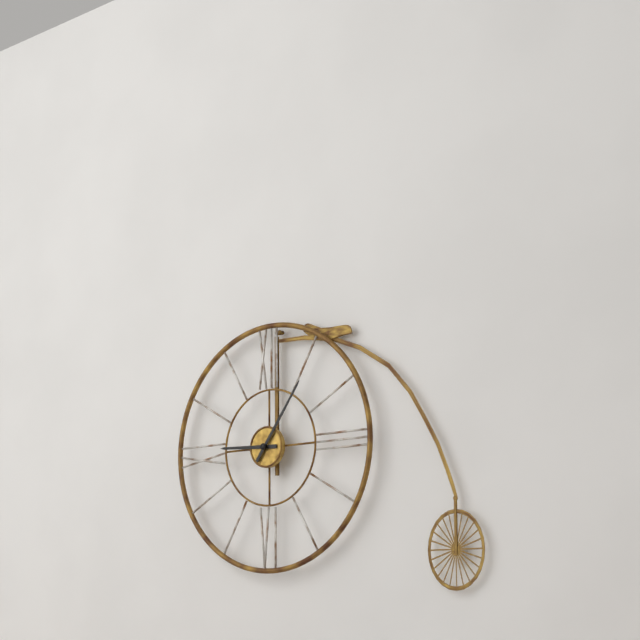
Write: 9:06
